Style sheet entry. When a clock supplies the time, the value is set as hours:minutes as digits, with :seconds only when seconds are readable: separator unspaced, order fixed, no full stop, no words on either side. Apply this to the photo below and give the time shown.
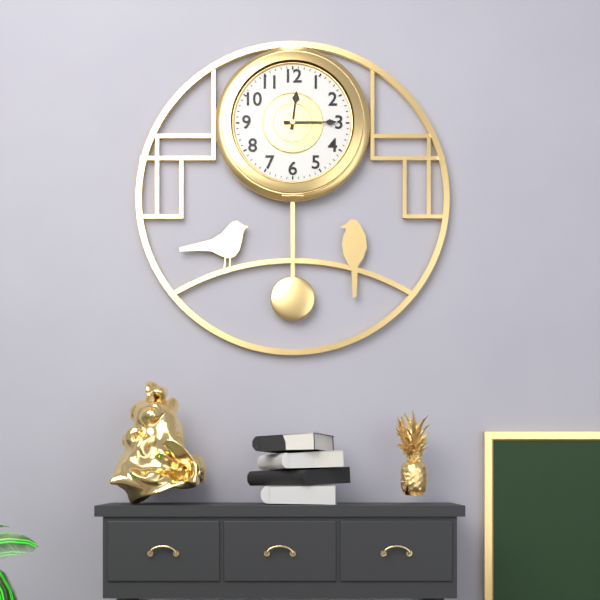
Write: 12:15
